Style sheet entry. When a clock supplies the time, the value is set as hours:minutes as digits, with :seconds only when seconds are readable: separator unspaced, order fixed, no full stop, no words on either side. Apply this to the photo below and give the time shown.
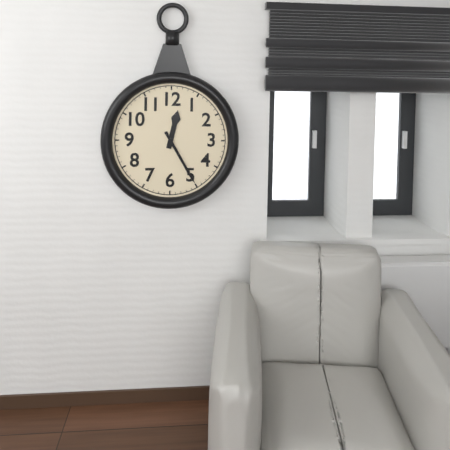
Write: 12:25
